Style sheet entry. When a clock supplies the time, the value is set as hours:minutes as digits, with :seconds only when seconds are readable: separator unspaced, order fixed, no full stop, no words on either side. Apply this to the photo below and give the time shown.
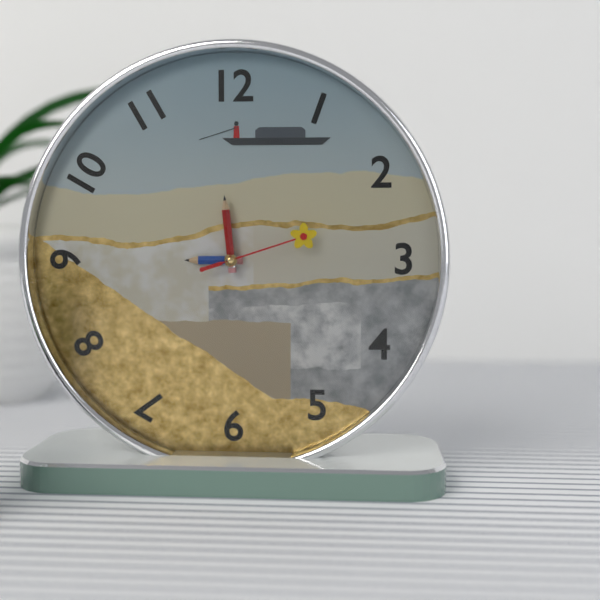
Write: 8:59:12
